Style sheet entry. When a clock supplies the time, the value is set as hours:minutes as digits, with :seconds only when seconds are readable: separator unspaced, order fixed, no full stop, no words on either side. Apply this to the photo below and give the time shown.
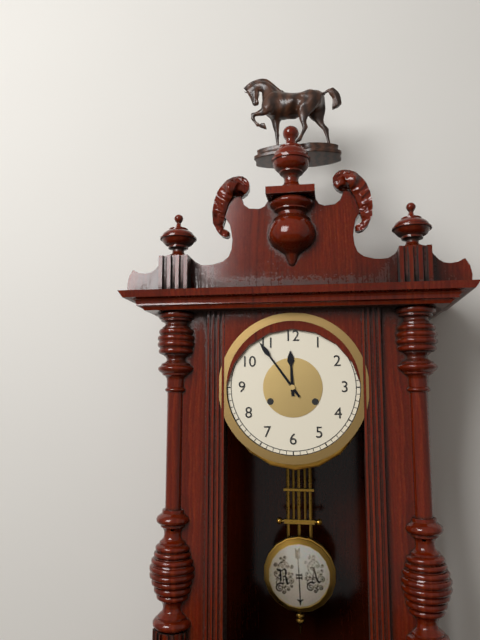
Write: 11:54
